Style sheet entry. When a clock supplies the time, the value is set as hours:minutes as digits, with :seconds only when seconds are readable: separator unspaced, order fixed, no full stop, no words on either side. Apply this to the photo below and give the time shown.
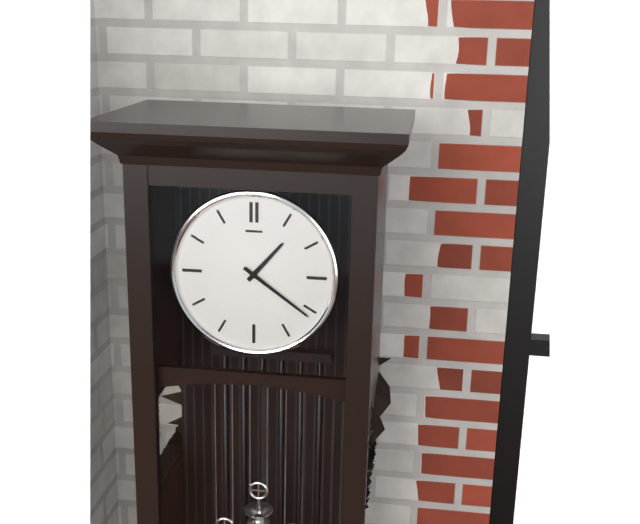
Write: 1:21
